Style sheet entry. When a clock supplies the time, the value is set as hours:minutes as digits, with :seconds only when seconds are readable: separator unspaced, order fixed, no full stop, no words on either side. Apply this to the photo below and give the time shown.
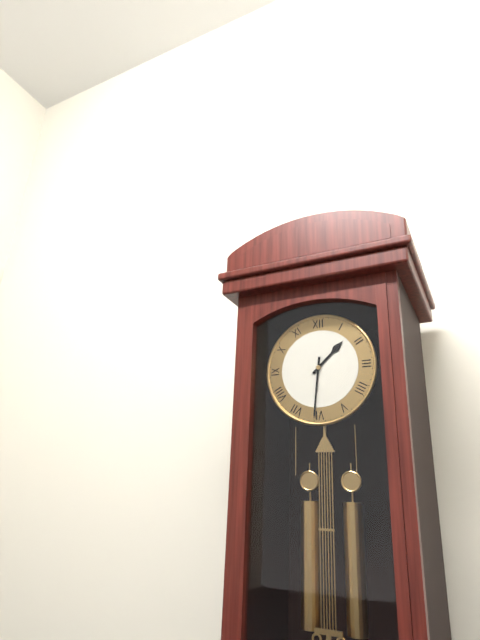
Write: 1:31
